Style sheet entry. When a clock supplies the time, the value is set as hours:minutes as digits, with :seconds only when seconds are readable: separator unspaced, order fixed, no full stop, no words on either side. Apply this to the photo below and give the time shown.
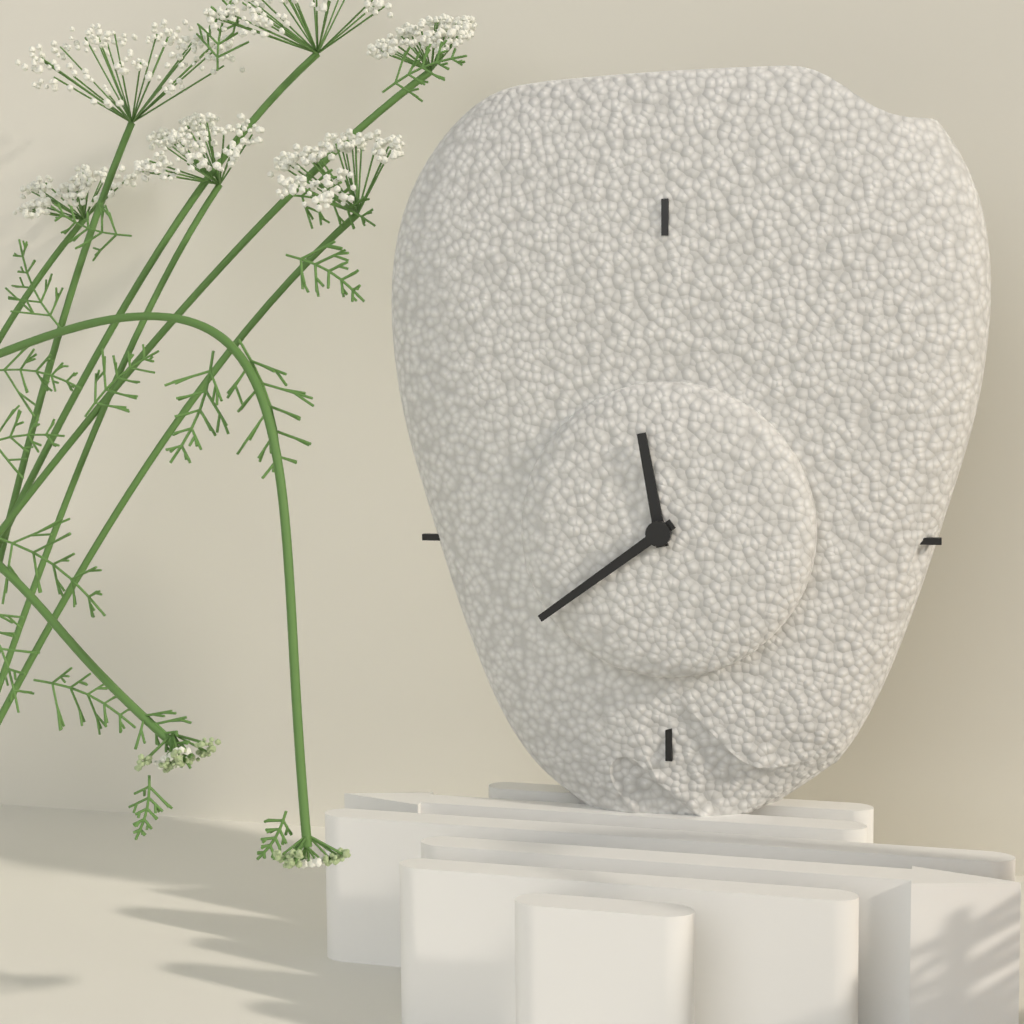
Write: 11:39
